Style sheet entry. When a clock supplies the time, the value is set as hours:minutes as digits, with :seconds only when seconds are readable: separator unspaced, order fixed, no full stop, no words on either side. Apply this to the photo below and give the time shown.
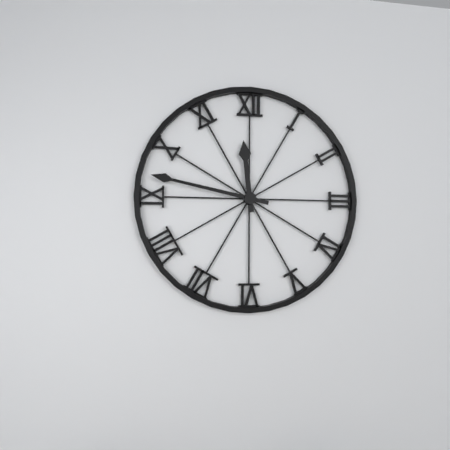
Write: 11:47
